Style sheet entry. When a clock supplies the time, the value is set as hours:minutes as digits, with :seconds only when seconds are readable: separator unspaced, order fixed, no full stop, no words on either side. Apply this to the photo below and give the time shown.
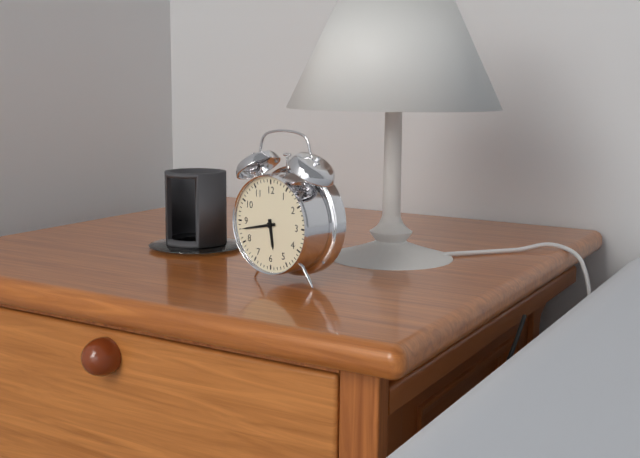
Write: 5:43
